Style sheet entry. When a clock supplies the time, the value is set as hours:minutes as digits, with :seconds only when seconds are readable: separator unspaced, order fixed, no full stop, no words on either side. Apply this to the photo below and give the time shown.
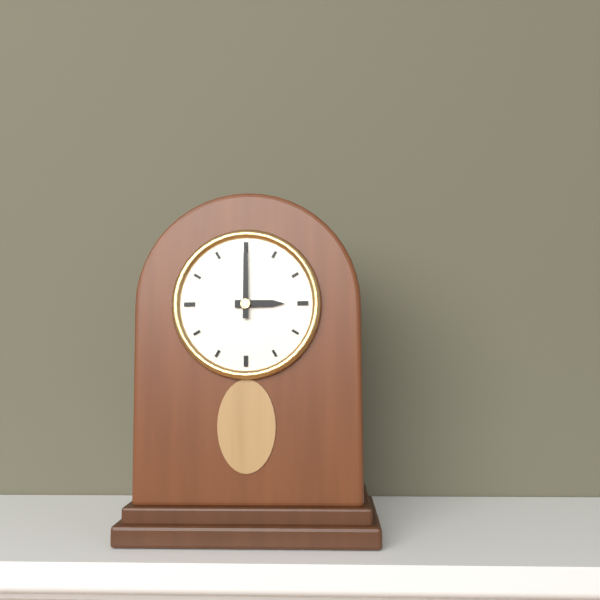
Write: 3:00
